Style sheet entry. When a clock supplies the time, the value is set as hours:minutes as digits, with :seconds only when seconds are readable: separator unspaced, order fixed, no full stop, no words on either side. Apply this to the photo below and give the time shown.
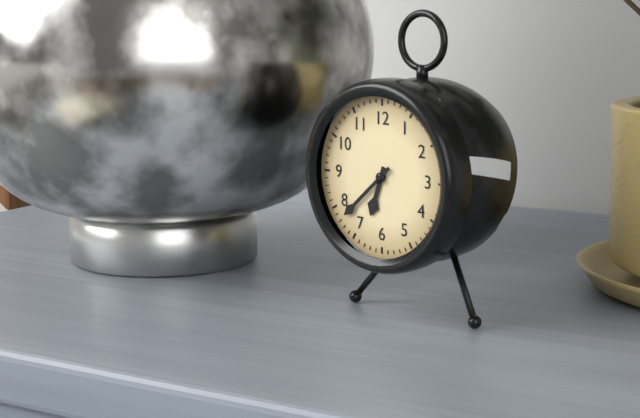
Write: 6:38
